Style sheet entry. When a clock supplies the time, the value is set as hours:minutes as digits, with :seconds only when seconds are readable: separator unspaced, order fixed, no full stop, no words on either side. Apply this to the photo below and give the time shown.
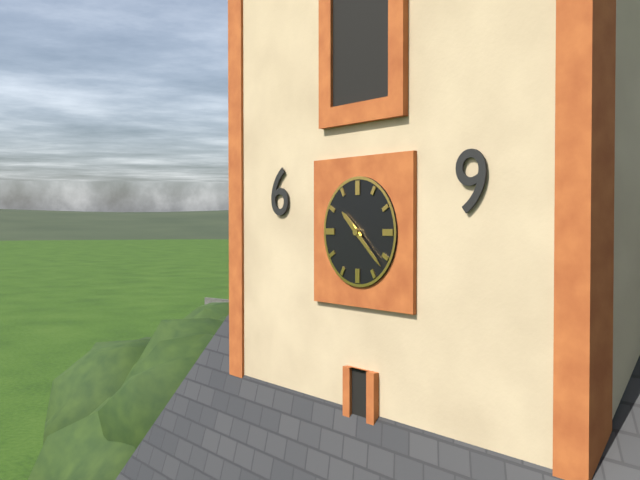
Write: 10:22
